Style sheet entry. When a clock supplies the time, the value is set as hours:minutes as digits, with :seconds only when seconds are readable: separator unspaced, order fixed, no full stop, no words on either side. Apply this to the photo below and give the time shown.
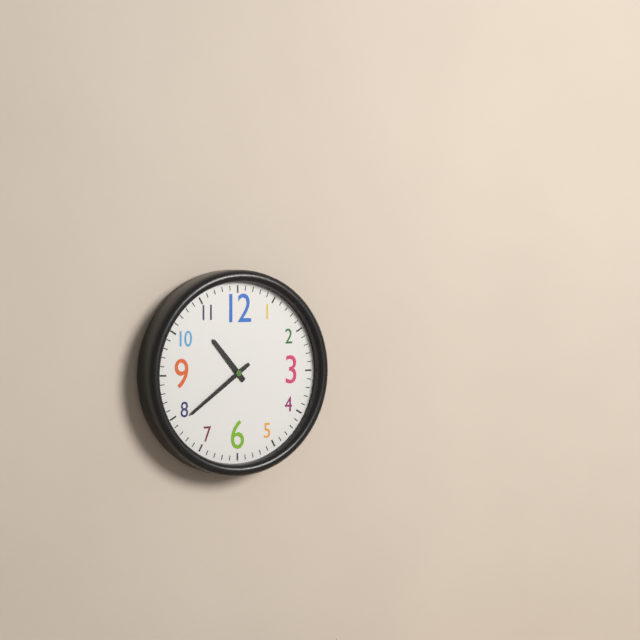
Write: 10:39
